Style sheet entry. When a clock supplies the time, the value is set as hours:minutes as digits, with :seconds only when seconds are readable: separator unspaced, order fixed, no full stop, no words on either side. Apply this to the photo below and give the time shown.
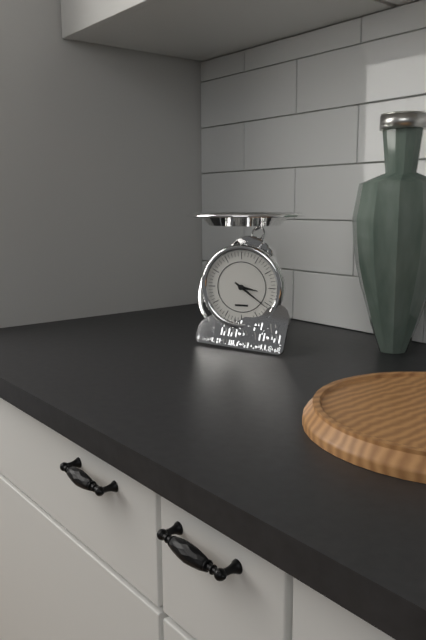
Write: 3:21
